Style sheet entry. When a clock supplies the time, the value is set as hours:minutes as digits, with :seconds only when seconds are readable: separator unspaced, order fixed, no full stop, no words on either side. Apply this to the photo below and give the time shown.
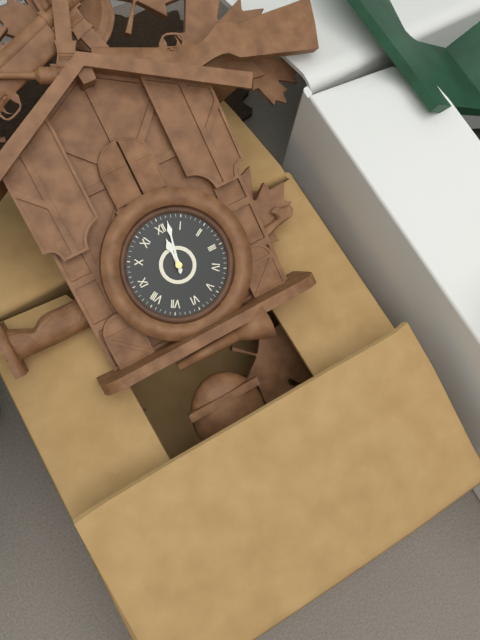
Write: 12:02
